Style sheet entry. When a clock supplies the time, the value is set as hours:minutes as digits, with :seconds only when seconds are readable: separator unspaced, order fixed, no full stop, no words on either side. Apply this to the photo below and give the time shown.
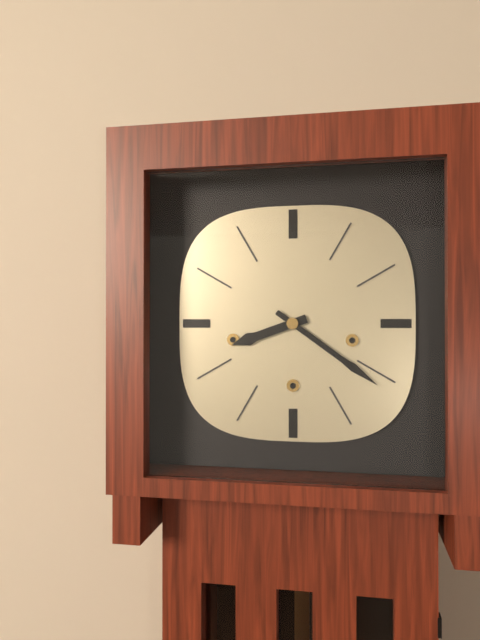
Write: 8:21
